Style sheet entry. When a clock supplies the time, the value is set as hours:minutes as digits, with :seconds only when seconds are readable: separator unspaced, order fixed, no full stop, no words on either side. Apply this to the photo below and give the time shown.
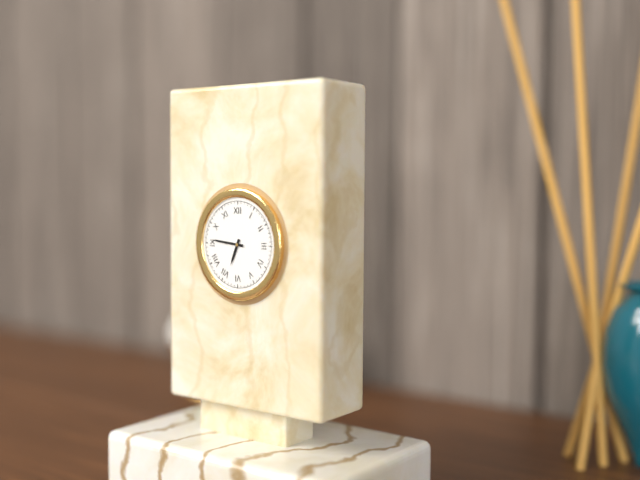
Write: 6:46
